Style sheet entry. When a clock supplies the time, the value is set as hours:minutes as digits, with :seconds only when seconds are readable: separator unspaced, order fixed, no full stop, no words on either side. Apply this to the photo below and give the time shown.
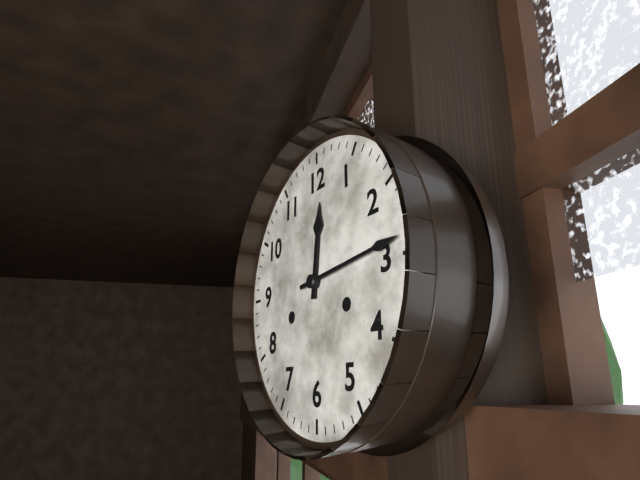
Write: 12:14
